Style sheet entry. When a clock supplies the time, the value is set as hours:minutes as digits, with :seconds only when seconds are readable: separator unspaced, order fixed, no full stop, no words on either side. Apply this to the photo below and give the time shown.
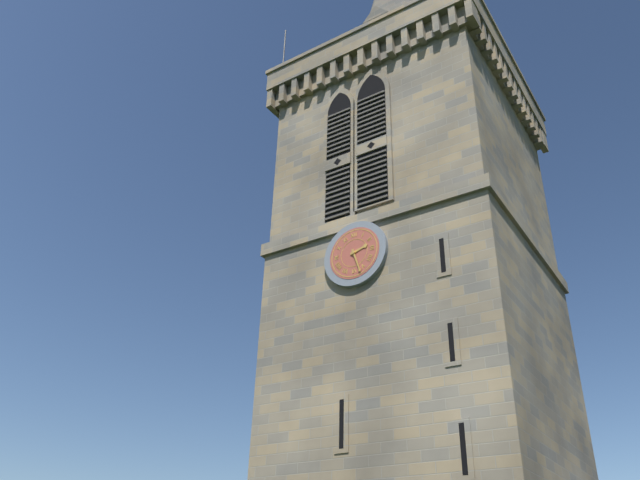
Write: 2:27
